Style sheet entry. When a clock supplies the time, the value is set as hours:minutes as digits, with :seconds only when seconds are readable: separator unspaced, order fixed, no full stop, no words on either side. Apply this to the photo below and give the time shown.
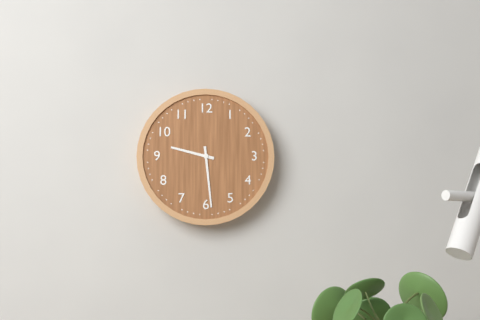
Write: 9:29
